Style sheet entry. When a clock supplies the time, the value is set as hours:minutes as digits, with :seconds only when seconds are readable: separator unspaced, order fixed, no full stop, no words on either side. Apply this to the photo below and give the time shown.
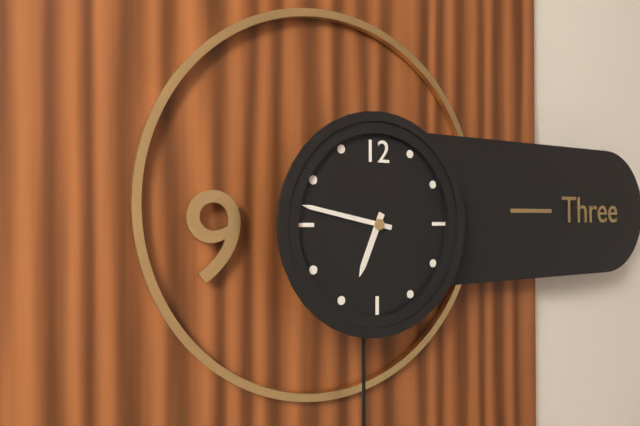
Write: 6:47
